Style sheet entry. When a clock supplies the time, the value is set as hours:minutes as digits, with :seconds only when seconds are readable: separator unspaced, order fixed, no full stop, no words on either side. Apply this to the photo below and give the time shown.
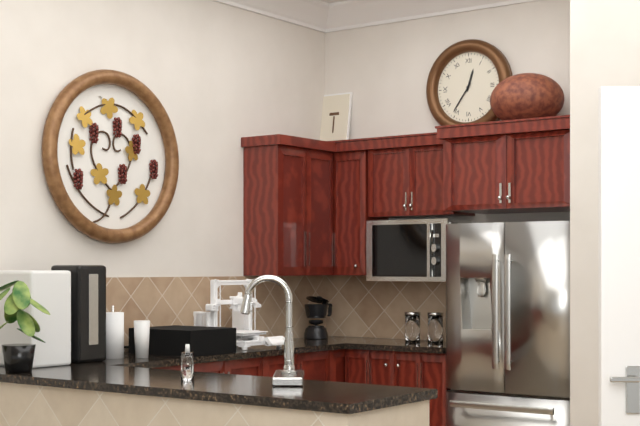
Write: 12:36
